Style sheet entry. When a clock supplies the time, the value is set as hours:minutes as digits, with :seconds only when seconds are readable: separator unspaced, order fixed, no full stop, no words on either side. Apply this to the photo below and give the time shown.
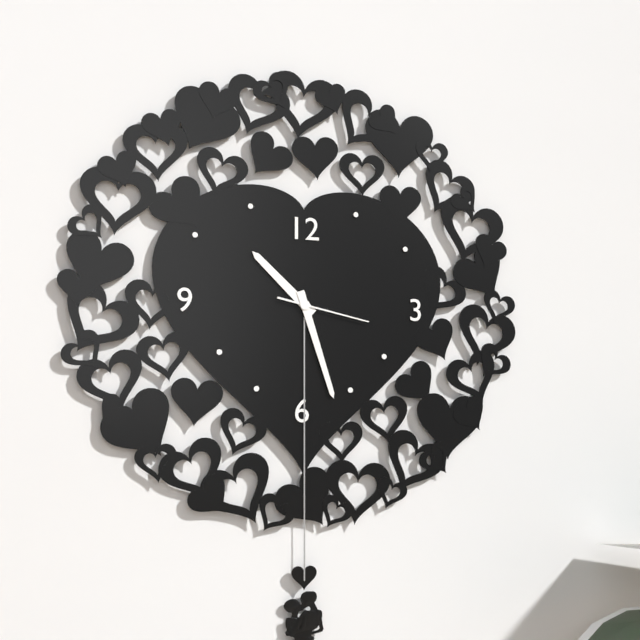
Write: 10:27:17
